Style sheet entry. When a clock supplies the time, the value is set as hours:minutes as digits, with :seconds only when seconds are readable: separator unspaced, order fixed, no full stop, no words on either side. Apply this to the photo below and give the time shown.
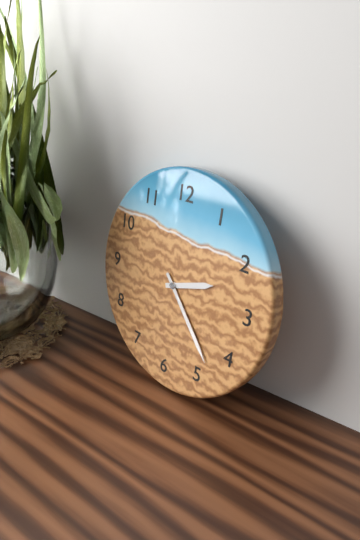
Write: 2:23
